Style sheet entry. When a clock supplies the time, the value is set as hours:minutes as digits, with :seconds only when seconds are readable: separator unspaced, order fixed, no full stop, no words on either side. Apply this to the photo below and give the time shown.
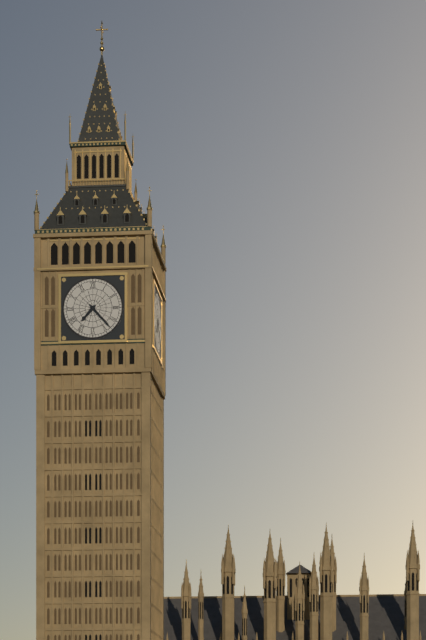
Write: 7:23
